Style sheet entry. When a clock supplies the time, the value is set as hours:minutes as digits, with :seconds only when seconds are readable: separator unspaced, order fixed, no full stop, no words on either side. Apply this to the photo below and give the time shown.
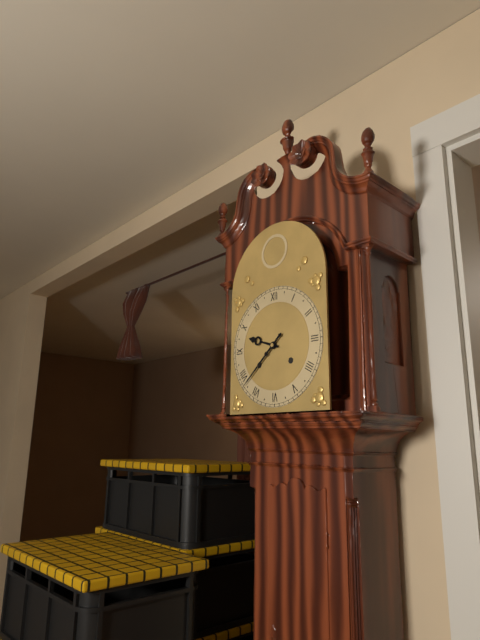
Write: 9:38
